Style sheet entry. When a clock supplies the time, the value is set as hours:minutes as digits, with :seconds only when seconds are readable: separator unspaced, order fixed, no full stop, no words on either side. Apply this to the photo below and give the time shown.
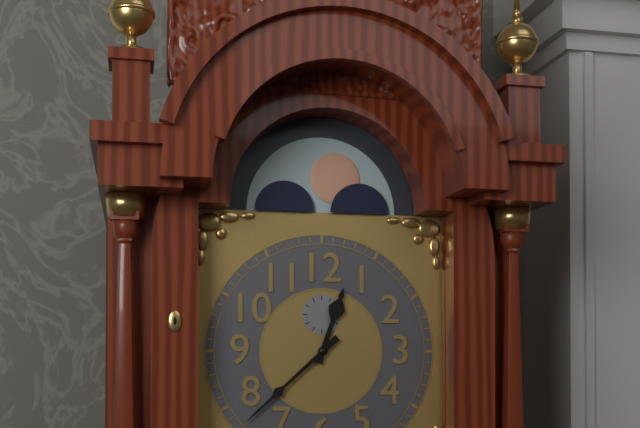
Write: 12:38
